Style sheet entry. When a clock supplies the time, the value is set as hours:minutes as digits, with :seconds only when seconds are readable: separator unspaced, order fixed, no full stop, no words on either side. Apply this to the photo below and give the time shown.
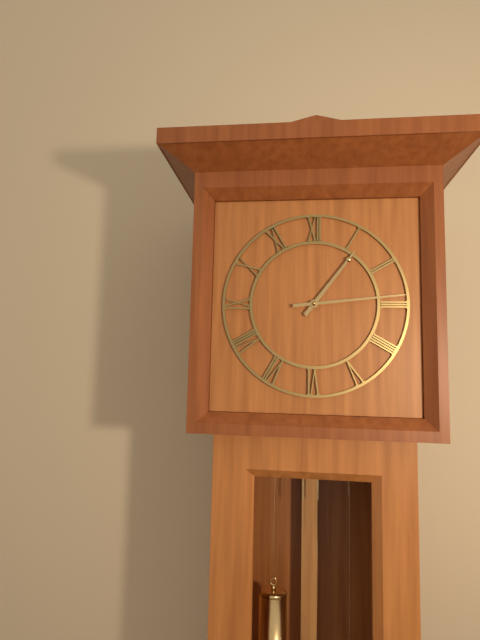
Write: 1:14
